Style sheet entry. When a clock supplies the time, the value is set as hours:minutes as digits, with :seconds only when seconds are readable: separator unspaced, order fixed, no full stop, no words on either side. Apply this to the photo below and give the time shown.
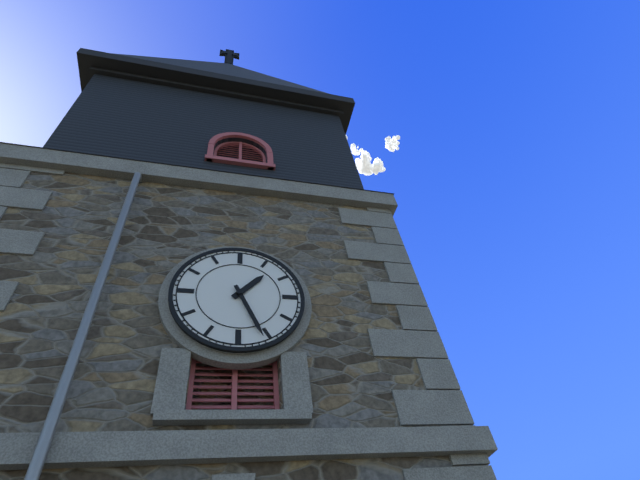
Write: 1:26
